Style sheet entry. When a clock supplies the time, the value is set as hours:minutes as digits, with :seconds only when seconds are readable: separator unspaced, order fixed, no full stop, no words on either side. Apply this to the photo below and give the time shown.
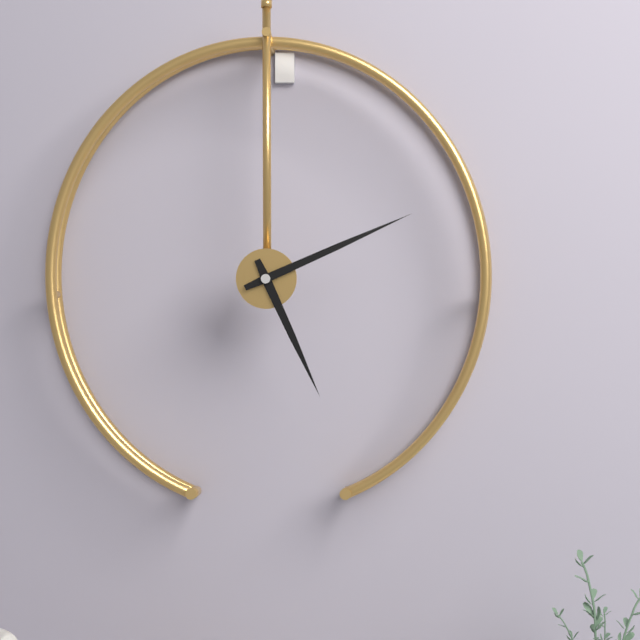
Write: 5:11
